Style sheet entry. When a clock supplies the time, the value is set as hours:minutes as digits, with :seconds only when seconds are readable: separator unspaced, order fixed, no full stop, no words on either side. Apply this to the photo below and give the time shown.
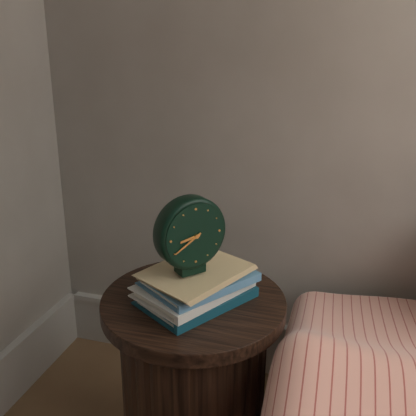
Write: 8:40
